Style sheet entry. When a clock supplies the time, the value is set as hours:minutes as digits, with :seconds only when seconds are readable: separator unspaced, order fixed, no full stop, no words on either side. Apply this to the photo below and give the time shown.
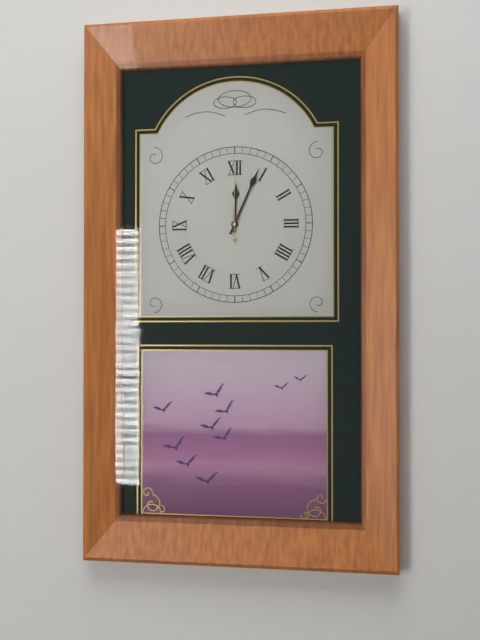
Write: 12:04:00
